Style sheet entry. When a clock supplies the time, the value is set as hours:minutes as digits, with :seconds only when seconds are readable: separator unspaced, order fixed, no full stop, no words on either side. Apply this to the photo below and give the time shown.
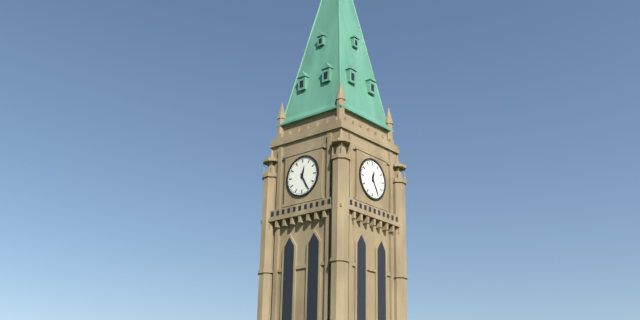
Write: 12:25
